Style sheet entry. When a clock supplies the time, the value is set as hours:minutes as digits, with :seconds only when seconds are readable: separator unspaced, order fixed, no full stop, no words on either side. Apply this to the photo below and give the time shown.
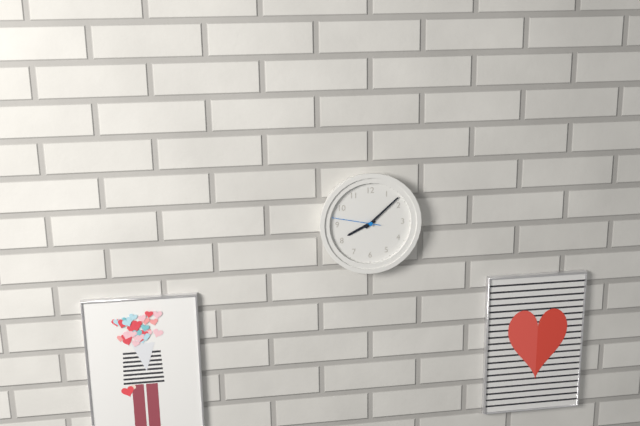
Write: 8:08
